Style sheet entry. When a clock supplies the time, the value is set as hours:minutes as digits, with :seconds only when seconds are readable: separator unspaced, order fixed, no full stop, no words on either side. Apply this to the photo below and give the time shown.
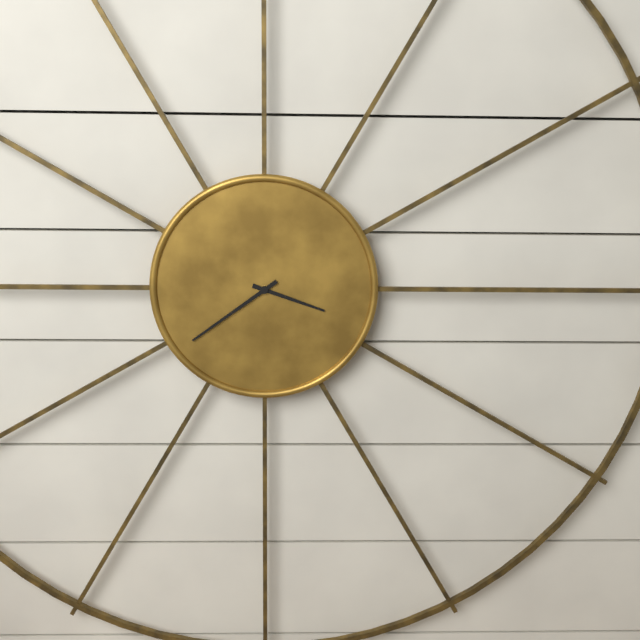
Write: 3:39
